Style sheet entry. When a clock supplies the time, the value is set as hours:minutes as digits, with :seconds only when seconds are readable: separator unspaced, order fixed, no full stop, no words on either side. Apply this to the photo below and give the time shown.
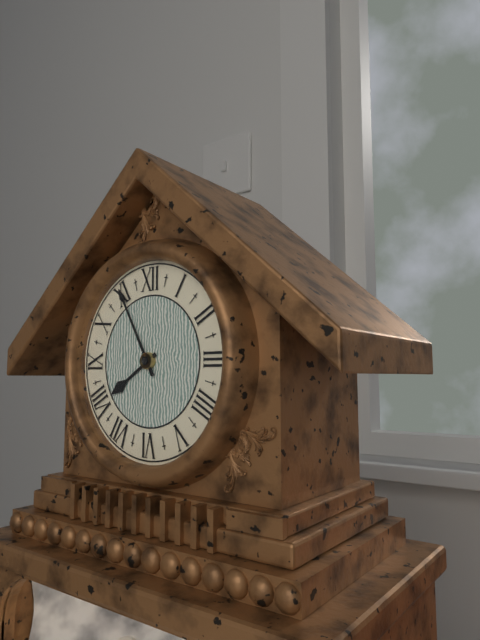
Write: 7:55
